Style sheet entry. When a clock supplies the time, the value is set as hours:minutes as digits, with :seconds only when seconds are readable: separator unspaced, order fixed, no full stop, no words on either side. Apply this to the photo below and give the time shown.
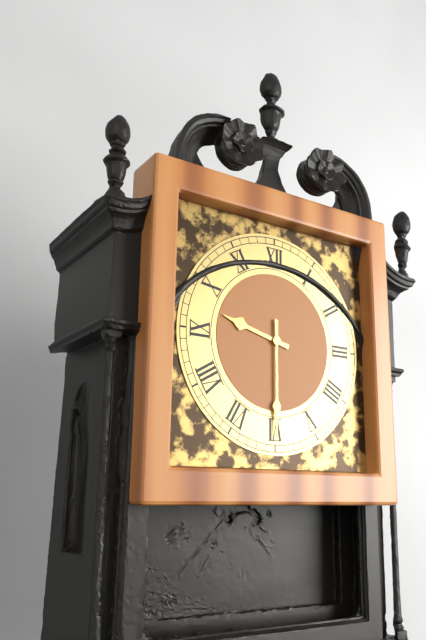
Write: 9:30
